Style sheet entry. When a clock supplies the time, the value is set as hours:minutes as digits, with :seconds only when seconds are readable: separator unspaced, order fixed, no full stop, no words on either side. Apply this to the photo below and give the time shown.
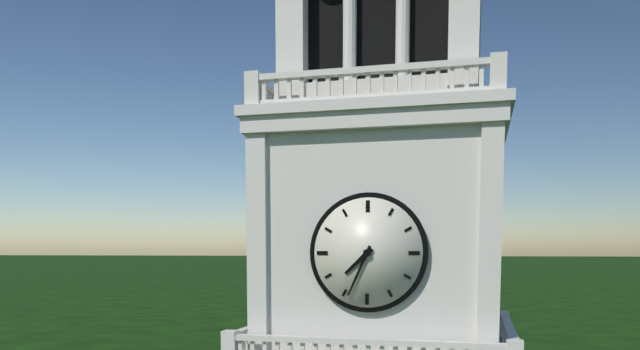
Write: 7:34
